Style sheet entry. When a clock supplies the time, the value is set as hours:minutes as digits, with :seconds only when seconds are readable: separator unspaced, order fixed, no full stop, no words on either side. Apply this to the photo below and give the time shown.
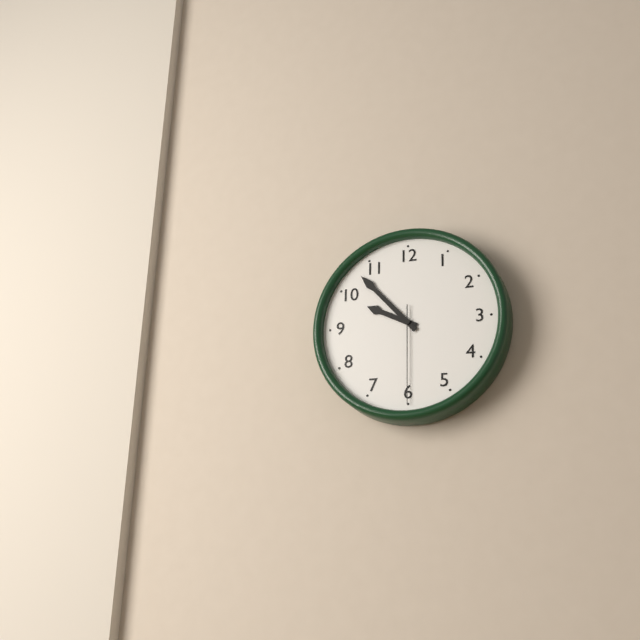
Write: 9:53:30
